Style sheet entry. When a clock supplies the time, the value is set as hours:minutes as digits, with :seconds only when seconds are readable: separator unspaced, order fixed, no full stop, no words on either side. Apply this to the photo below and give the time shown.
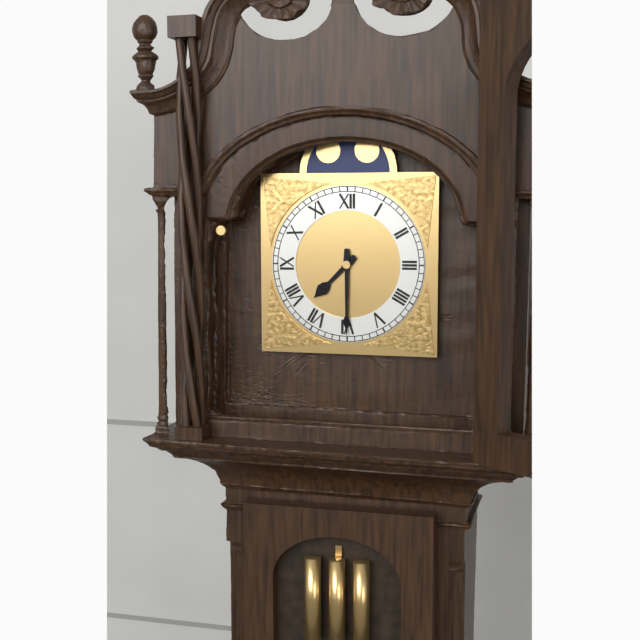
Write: 7:30
